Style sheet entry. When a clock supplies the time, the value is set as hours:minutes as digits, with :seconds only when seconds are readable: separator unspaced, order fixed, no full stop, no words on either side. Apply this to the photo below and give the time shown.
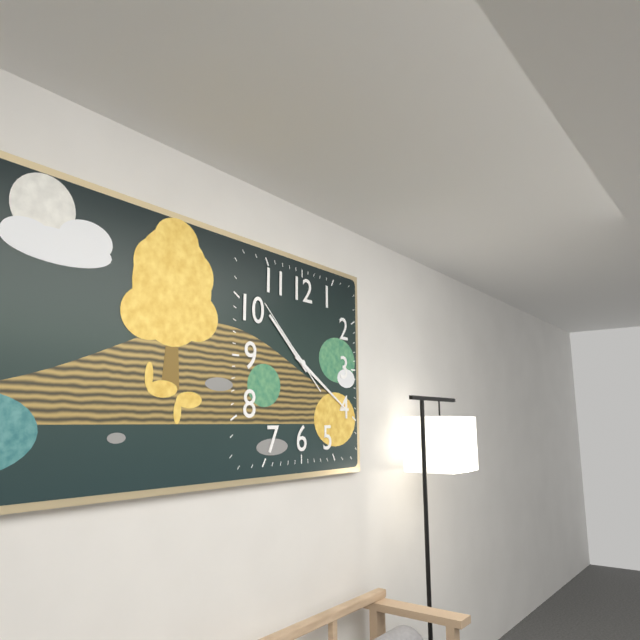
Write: 10:20:52
